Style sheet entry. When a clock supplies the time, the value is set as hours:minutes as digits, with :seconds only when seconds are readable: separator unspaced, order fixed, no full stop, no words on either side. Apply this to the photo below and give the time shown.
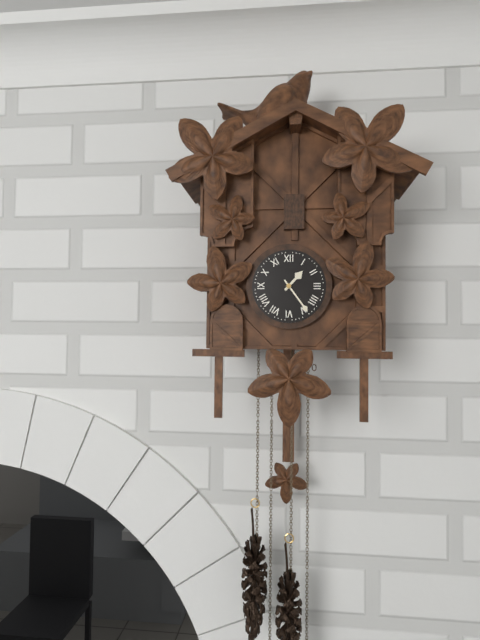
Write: 1:24
